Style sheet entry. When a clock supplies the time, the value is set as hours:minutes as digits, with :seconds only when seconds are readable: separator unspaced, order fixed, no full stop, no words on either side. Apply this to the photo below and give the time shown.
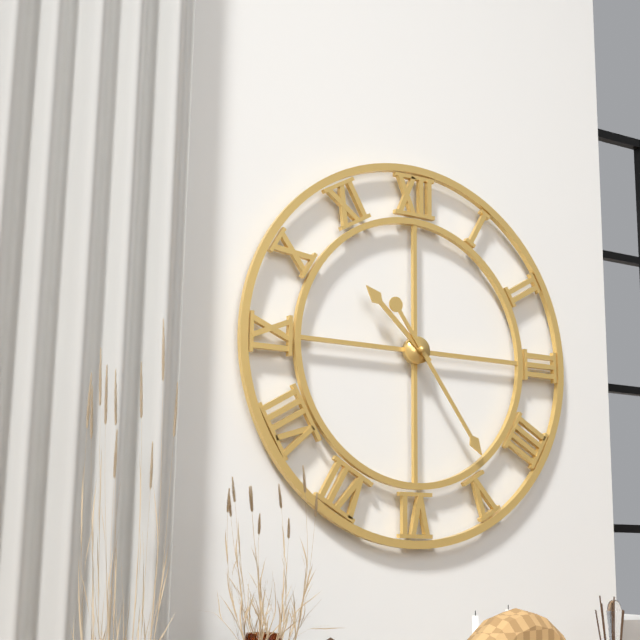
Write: 10:24
